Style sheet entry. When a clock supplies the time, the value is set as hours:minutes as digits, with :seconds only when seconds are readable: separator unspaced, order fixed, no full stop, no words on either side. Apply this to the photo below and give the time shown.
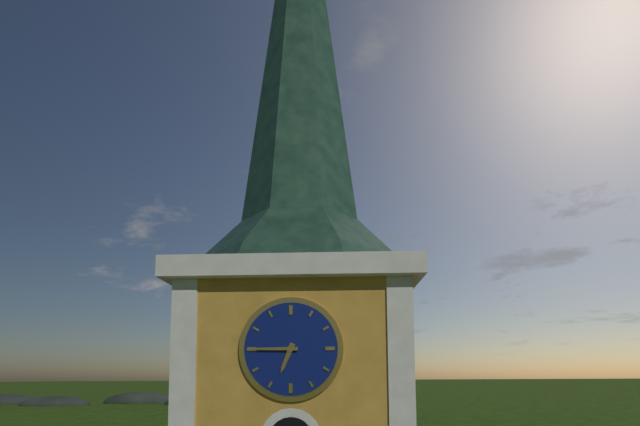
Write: 6:45
